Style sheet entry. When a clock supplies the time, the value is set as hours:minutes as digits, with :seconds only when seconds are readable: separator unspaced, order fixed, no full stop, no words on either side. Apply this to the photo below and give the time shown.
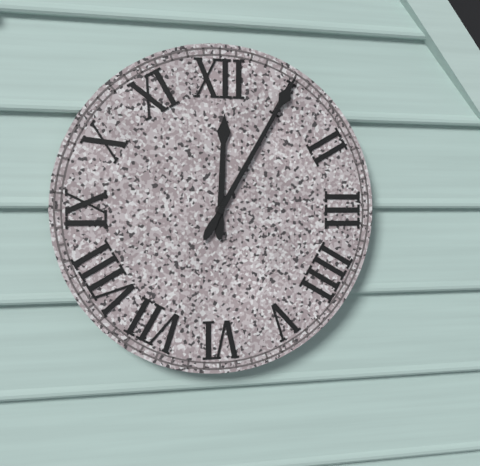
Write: 12:05
